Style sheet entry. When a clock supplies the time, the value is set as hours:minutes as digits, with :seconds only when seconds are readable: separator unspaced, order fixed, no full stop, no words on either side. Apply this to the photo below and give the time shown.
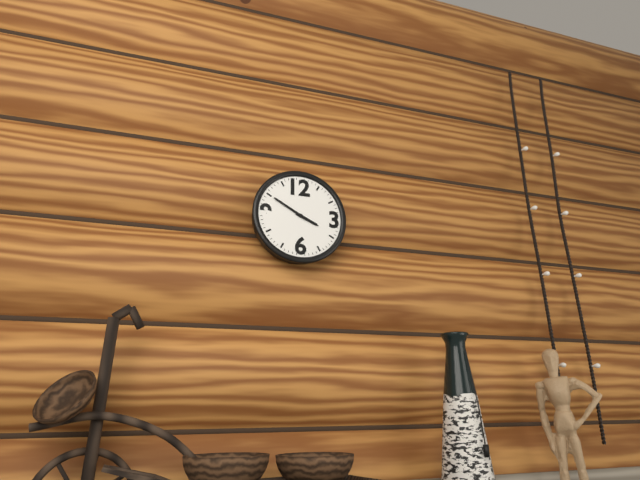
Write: 3:50
